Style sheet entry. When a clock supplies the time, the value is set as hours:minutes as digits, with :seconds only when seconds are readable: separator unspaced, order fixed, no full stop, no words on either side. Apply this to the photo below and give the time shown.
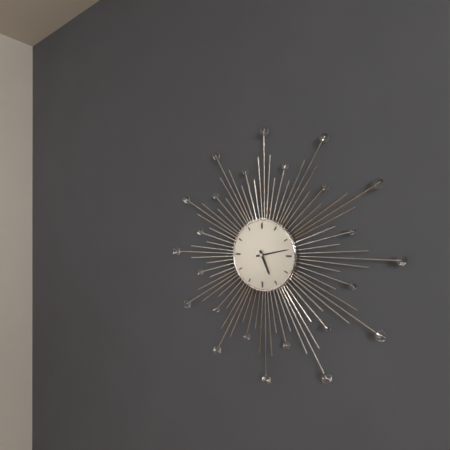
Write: 5:13
